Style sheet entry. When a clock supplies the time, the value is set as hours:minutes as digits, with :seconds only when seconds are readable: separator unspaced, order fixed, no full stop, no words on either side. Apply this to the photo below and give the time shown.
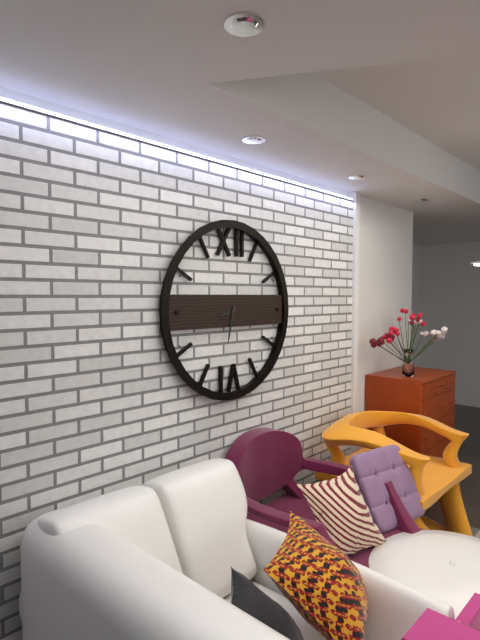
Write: 8:32
